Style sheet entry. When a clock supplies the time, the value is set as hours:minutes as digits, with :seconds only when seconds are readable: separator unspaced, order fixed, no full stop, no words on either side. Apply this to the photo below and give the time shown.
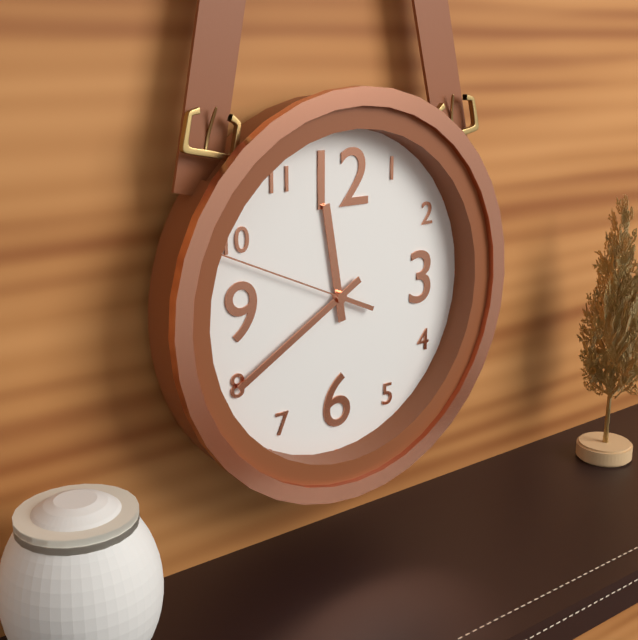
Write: 11:40:49
